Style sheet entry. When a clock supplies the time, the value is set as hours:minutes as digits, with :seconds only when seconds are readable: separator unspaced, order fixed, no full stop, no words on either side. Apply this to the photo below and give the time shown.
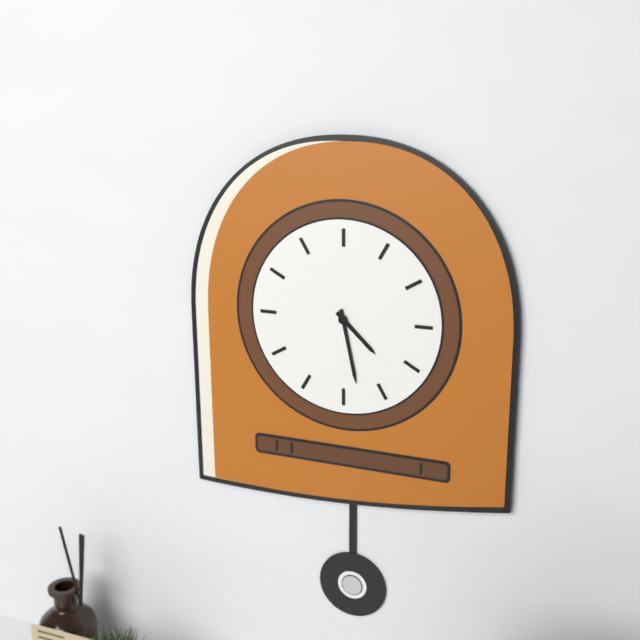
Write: 4:28
